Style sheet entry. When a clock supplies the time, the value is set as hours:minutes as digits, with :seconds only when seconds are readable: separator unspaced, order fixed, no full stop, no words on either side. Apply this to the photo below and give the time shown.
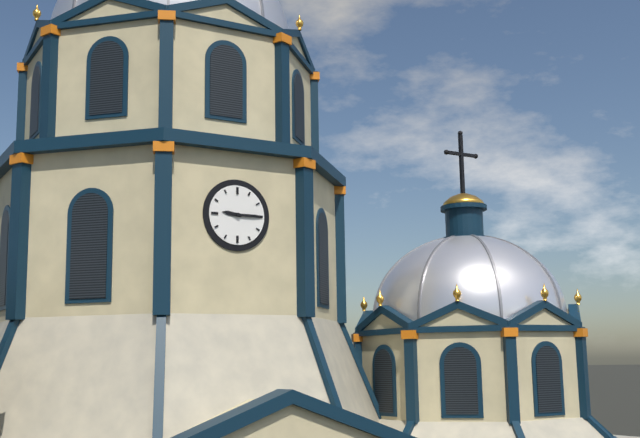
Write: 9:15
